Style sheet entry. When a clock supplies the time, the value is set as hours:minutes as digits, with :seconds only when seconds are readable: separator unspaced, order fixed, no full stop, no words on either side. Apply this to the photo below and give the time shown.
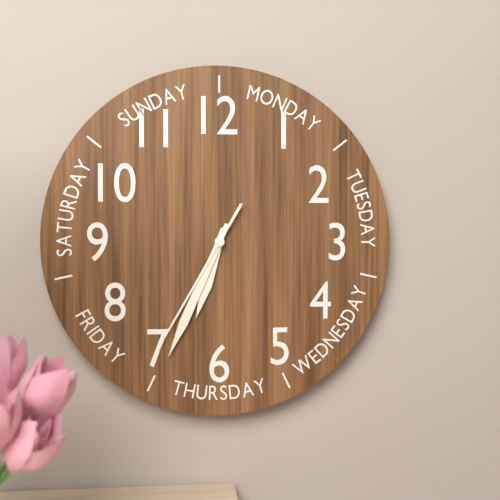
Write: 6:34:35
